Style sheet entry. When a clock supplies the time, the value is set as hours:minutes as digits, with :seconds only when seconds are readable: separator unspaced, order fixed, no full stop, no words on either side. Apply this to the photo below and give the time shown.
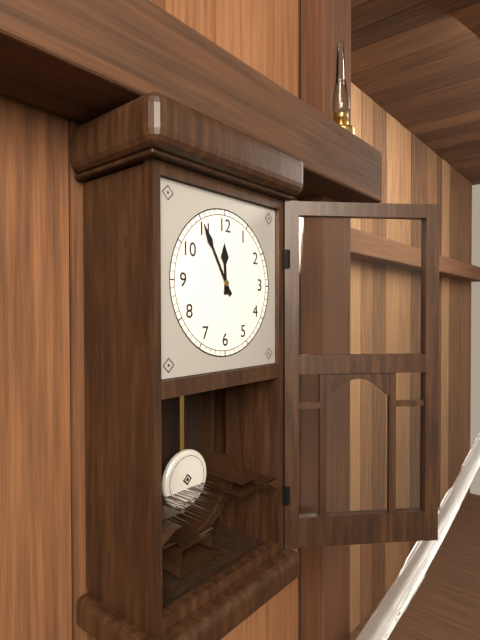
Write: 11:55
